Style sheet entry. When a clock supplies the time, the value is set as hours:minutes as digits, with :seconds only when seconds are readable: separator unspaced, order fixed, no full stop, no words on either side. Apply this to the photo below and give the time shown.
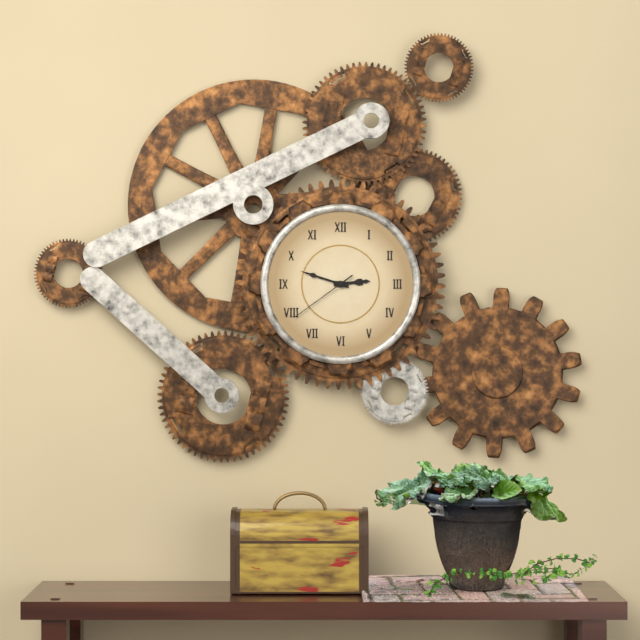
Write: 2:48:39
